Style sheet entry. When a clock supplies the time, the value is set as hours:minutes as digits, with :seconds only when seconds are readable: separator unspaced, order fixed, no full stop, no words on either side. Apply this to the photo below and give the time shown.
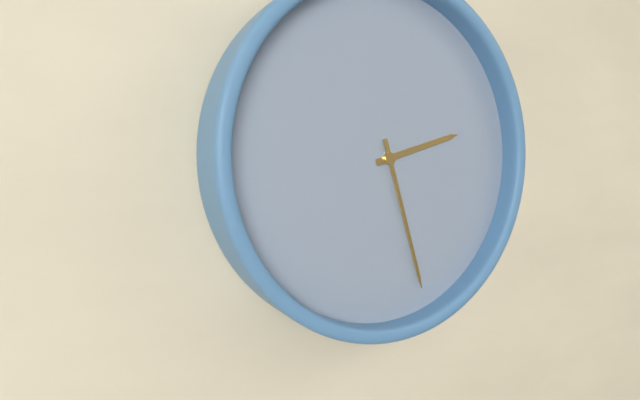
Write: 2:27
